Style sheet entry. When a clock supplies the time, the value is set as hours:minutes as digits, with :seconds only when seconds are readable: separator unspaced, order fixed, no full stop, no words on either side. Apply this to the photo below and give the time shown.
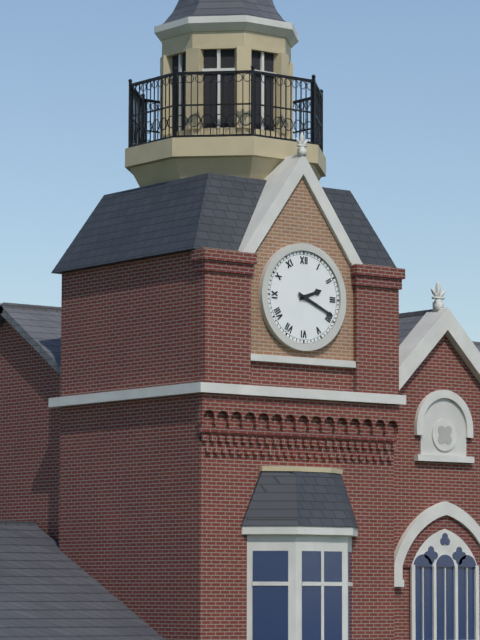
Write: 2:19
